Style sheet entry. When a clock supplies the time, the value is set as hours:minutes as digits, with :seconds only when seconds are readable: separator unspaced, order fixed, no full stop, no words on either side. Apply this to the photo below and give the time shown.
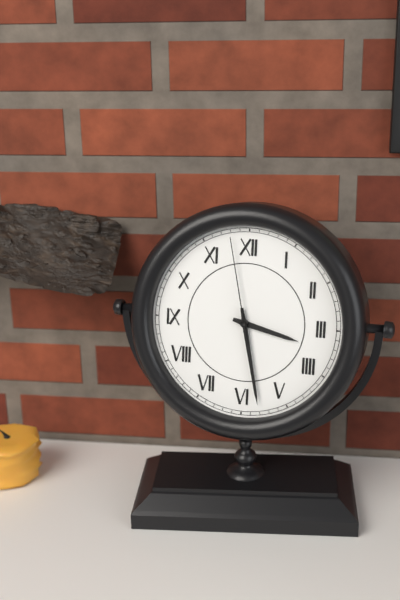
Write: 3:28:58
